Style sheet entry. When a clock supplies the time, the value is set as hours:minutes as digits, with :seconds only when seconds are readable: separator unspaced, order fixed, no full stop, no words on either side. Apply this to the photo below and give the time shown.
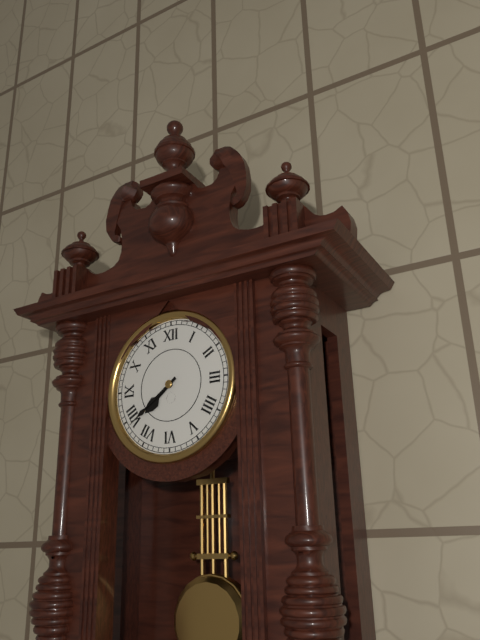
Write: 7:39
